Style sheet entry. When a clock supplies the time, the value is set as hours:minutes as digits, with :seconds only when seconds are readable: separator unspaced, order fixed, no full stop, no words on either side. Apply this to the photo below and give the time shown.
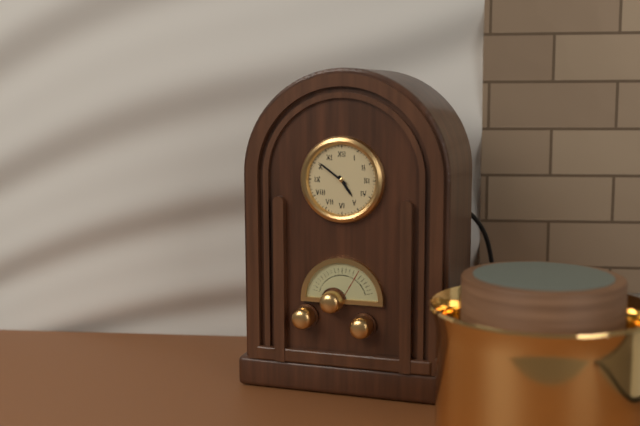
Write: 4:51
